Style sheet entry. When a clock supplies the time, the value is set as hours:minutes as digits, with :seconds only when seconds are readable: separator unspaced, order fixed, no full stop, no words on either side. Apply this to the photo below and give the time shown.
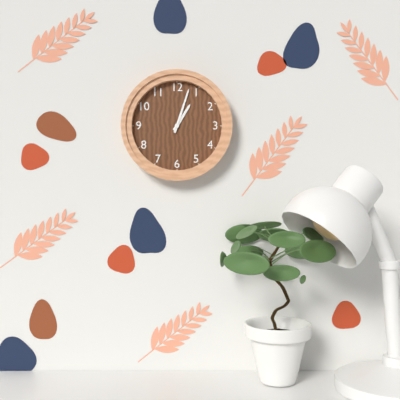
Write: 1:03
